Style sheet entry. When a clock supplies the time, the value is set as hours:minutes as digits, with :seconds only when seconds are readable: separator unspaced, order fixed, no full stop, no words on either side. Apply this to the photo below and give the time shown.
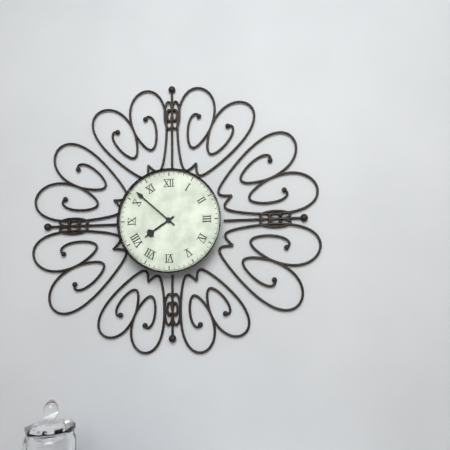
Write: 7:52
